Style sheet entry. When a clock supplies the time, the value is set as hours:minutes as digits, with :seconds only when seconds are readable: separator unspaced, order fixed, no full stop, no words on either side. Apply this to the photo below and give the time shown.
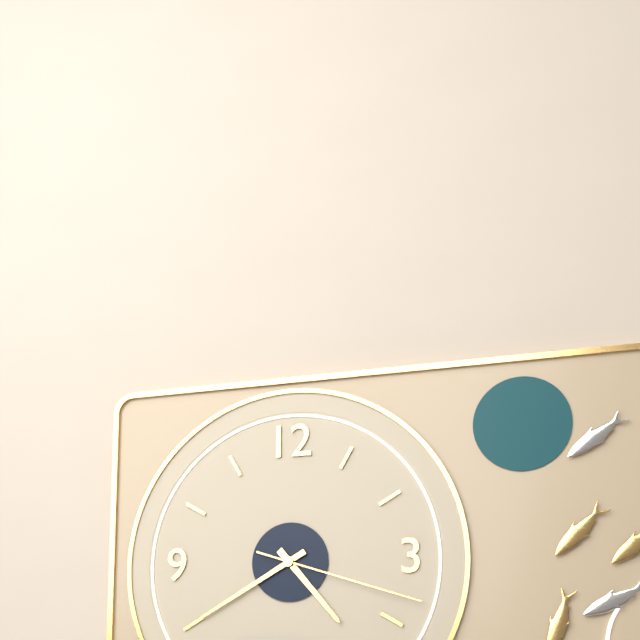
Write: 4:40:18
